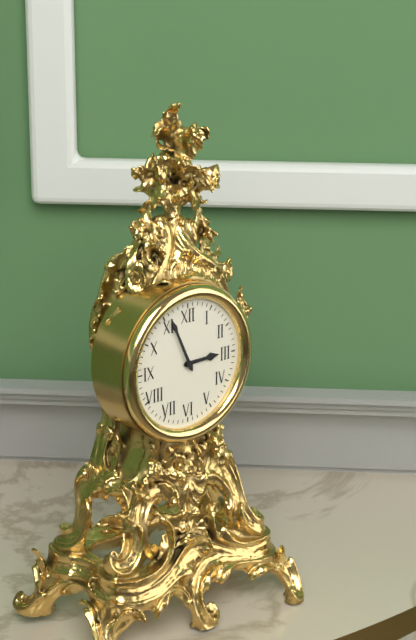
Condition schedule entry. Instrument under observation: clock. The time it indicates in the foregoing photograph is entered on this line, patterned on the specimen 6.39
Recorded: 2.56
